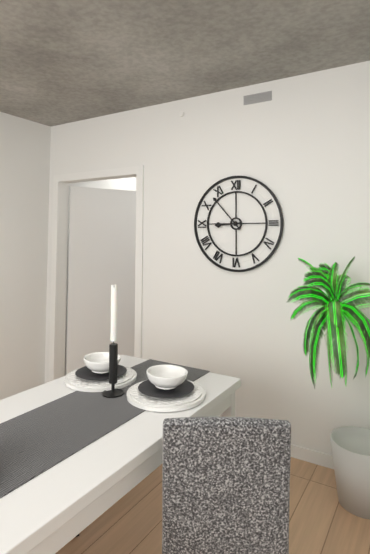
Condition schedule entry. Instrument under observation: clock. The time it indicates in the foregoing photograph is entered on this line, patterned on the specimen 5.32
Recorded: 8.53
